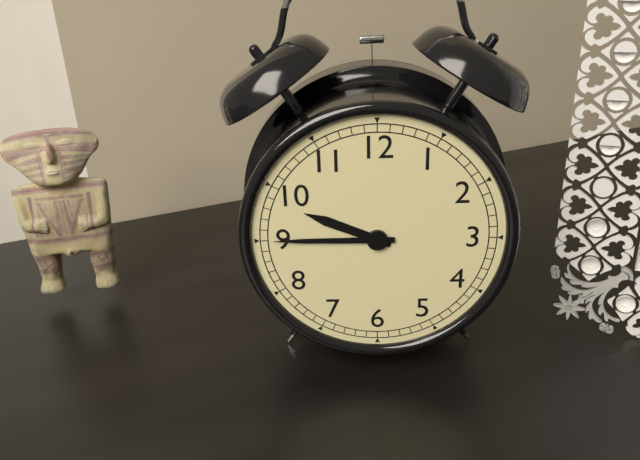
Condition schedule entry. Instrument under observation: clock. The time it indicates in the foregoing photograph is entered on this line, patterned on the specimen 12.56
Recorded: 9.45
